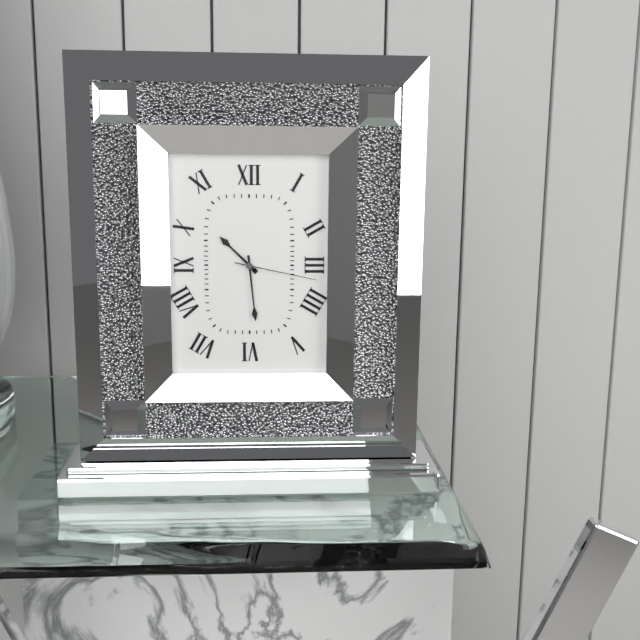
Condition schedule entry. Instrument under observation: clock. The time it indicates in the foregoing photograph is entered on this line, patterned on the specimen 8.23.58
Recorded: 10.29.17
